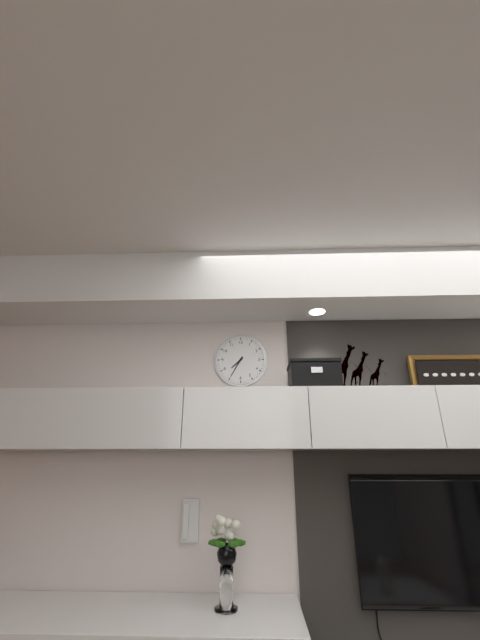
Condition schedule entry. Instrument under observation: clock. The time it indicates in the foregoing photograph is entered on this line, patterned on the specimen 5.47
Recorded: 7.35
